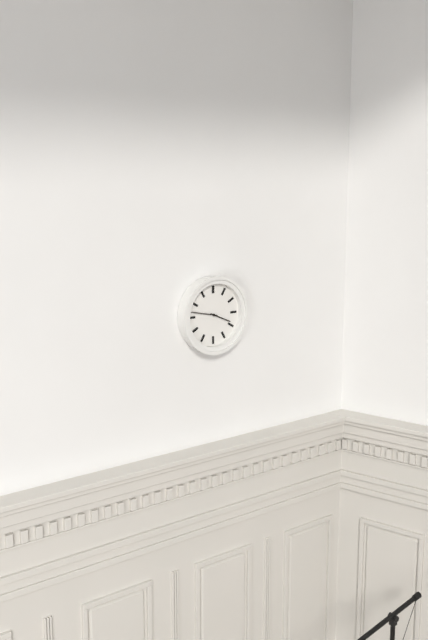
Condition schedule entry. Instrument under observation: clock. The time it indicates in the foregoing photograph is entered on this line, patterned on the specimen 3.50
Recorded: 3.47
